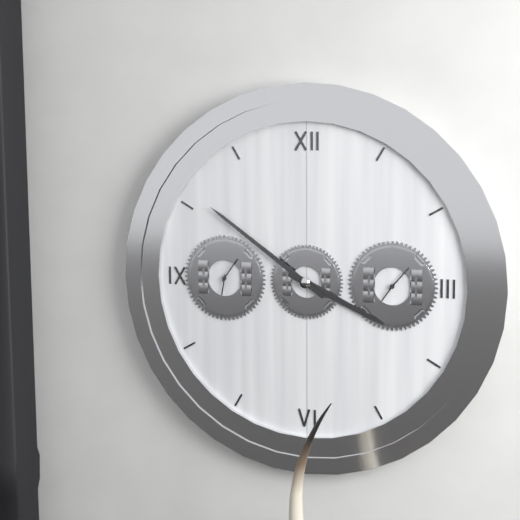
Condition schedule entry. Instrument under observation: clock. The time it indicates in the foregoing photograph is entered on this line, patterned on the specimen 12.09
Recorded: 3.51
